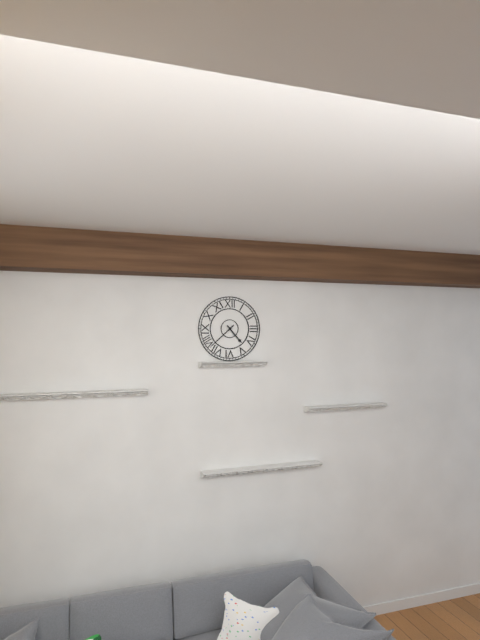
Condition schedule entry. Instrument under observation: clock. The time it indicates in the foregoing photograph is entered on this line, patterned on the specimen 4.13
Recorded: 4.38
